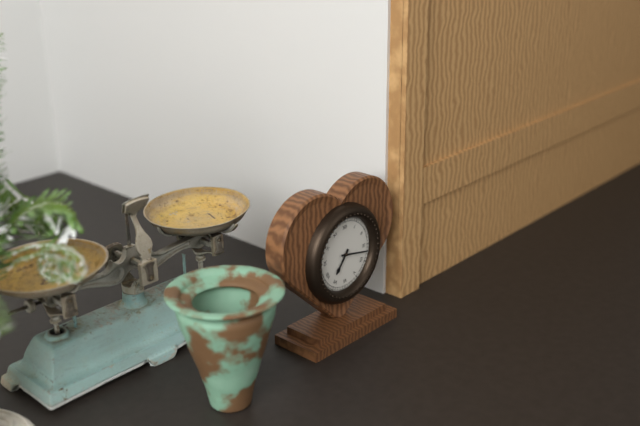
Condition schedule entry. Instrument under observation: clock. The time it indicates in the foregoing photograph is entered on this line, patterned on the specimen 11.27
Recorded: 7.17
